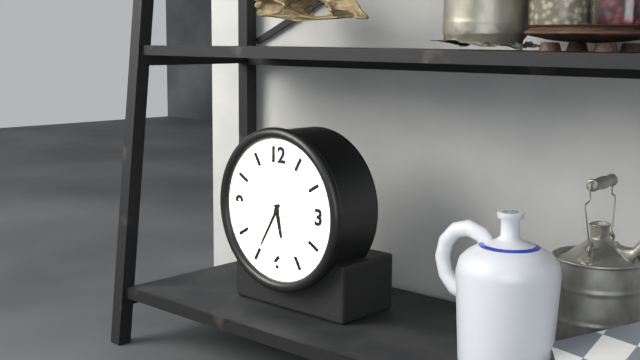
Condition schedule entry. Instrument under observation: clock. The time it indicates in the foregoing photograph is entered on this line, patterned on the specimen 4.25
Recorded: 5.35
